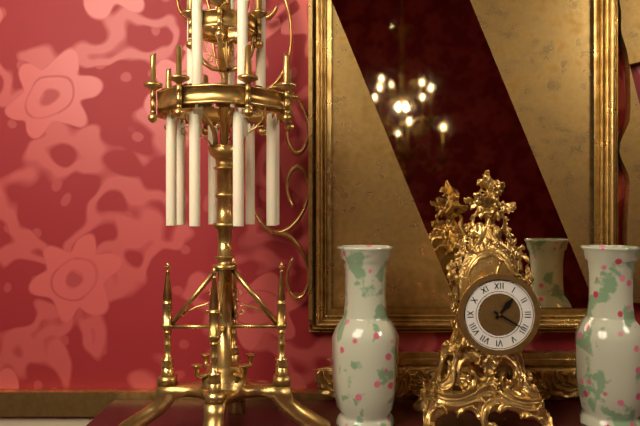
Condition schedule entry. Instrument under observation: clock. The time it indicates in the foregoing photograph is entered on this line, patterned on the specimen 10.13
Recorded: 1.20
